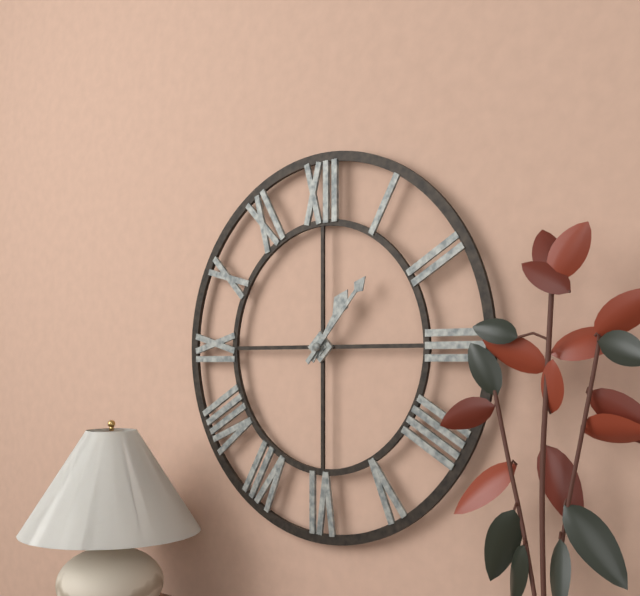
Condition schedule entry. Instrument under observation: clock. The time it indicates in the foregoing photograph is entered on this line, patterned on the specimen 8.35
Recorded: 1.07
